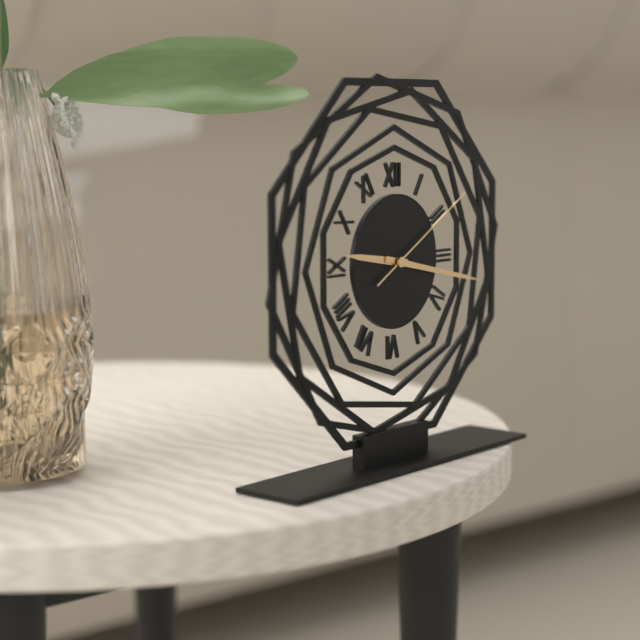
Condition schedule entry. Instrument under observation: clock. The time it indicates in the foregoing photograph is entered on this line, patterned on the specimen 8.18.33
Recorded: 9.17.10
